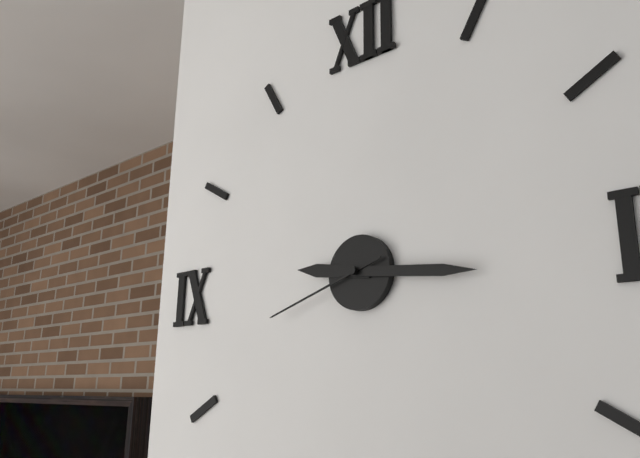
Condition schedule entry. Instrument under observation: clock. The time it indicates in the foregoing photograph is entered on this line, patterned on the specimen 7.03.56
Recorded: 9.16.42
